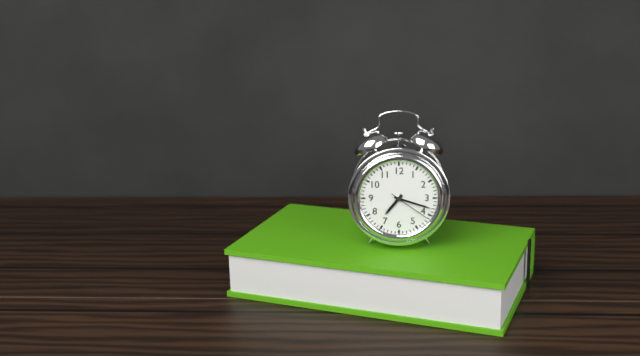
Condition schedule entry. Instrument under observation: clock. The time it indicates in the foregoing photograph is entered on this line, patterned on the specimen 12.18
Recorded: 7.18
